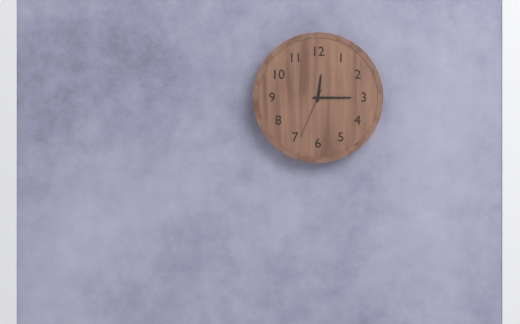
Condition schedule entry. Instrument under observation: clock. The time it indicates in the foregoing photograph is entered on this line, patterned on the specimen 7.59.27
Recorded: 12.15.34
